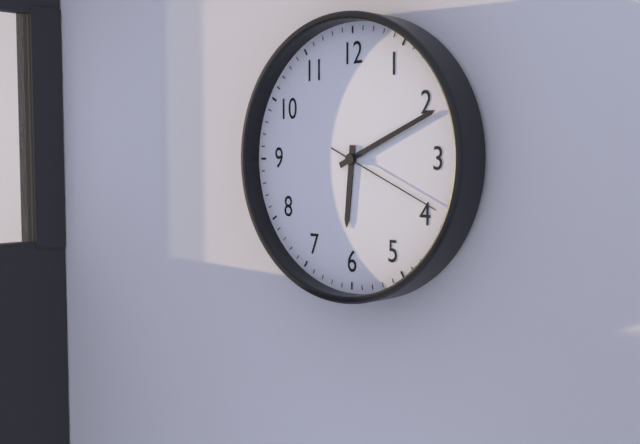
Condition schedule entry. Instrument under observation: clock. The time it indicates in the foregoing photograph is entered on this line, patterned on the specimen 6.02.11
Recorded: 6.11.19
